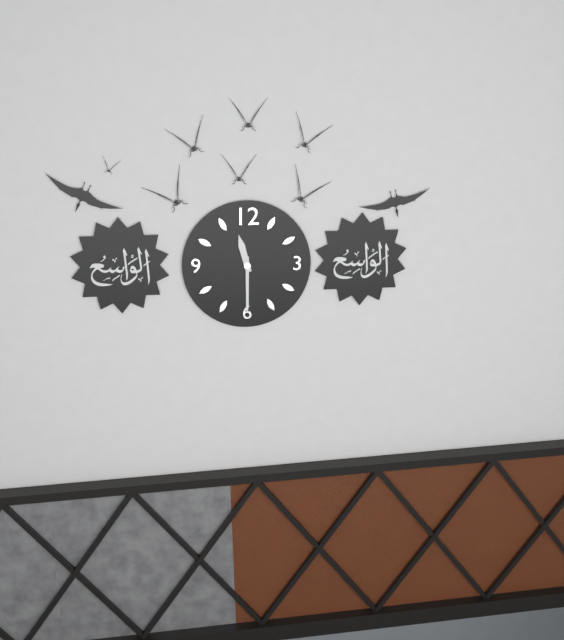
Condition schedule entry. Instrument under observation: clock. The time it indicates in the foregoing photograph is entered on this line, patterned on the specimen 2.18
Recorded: 11.30
